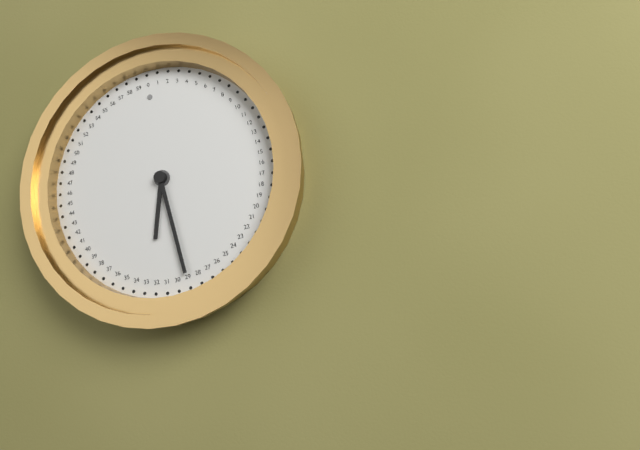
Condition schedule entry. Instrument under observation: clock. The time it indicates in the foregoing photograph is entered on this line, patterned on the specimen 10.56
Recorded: 6.29
